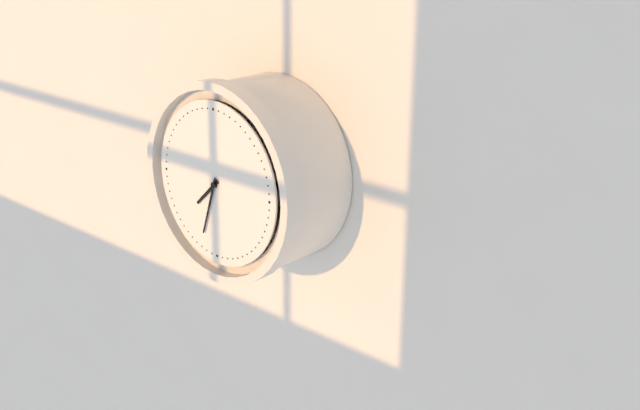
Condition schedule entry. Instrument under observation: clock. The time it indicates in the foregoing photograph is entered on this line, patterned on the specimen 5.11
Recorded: 7.33
